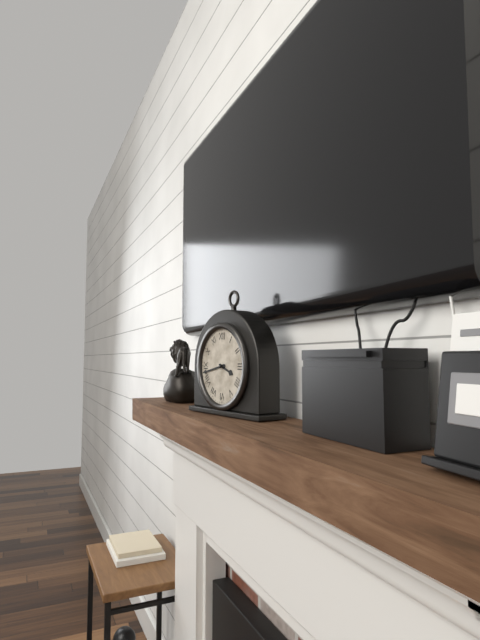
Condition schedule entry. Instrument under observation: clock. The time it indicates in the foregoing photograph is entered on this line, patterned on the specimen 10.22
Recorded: 3.43
